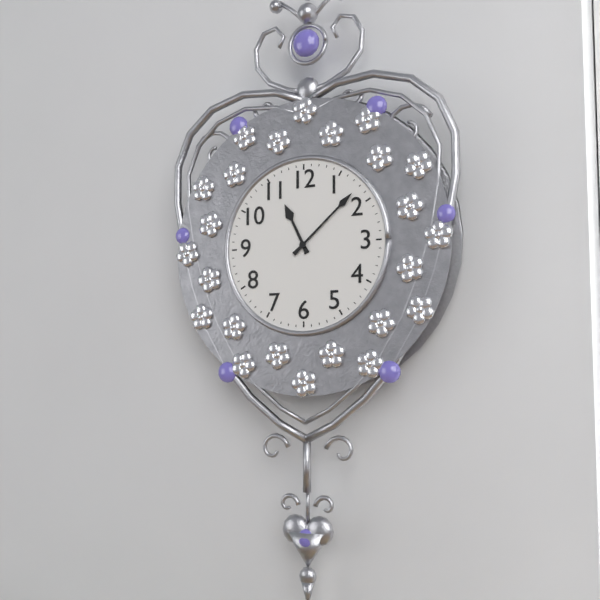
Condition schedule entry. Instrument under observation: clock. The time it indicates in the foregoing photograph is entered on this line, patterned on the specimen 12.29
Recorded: 11.08
